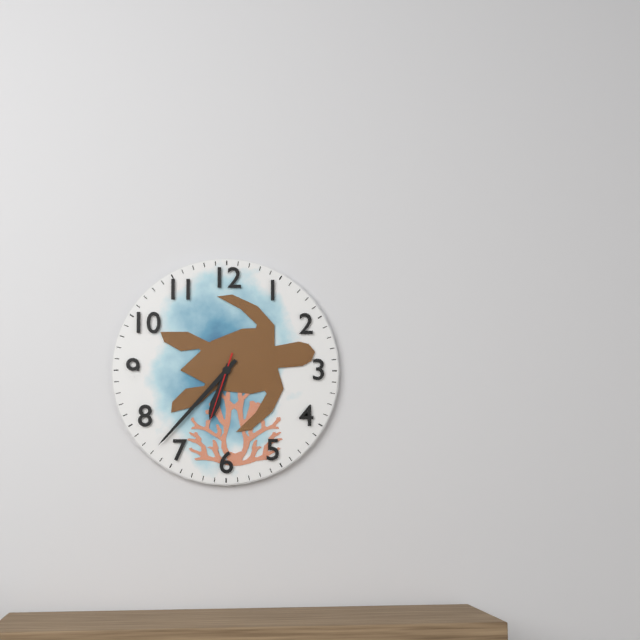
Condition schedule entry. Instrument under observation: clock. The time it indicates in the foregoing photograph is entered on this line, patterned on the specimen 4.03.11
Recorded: 6.37.33
